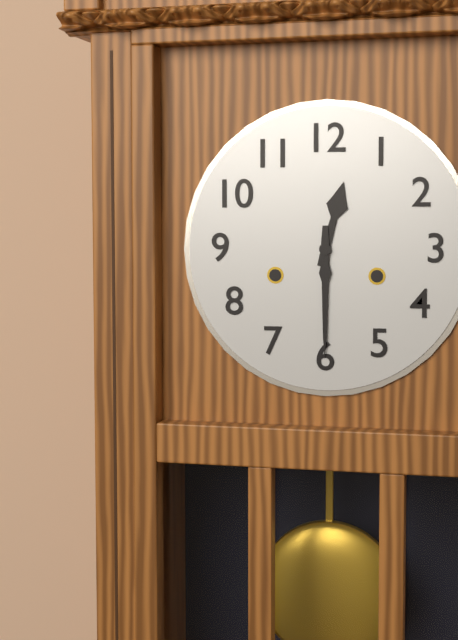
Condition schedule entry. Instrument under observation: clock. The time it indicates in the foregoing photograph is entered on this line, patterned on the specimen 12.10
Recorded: 12.30
